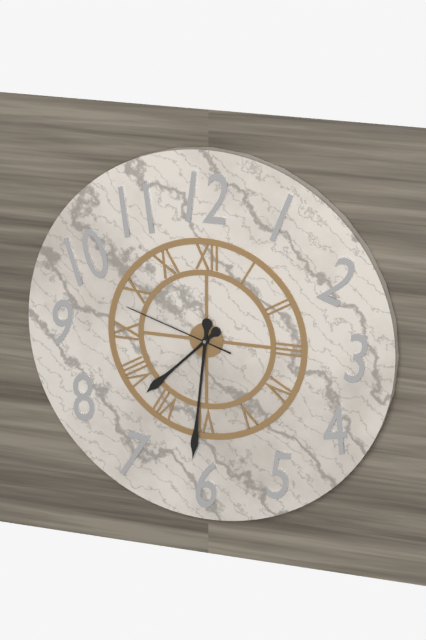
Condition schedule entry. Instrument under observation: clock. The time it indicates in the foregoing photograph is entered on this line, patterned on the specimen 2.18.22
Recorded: 7.31.48
